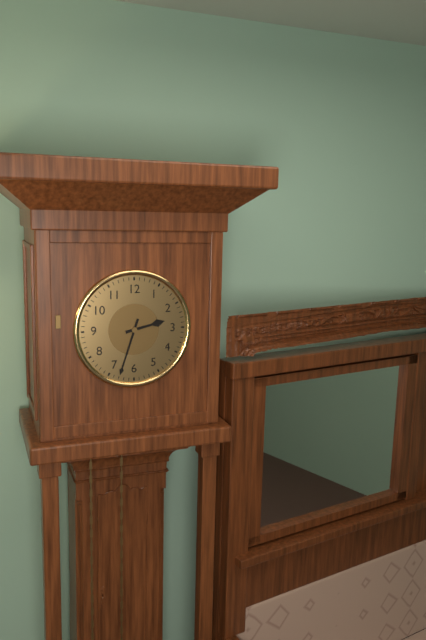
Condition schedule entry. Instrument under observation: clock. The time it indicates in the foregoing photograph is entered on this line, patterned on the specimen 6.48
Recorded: 2.33
